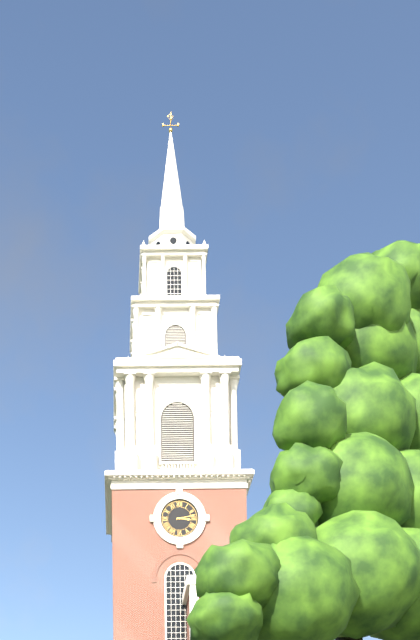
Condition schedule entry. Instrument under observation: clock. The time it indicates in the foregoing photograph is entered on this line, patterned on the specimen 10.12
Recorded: 3.13
